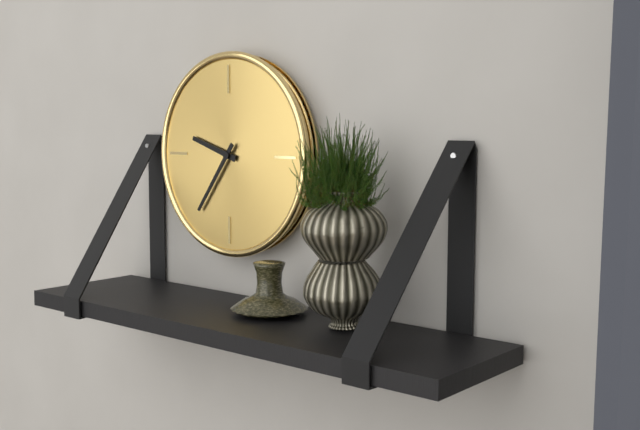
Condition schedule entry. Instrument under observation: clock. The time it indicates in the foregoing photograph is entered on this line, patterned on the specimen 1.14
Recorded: 9.36
